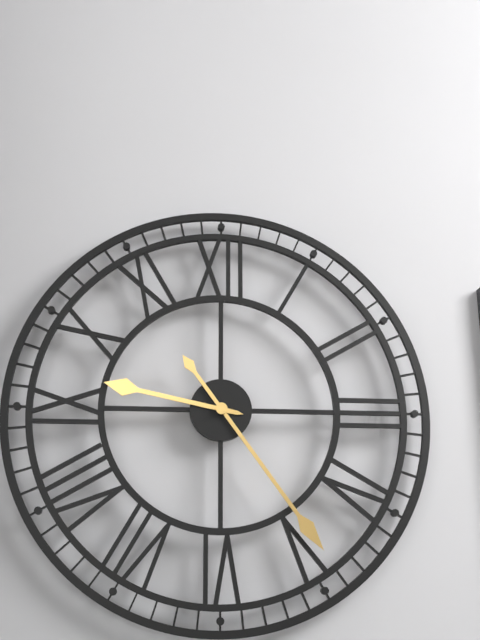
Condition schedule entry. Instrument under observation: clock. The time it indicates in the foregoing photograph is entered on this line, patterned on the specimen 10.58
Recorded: 9.24
